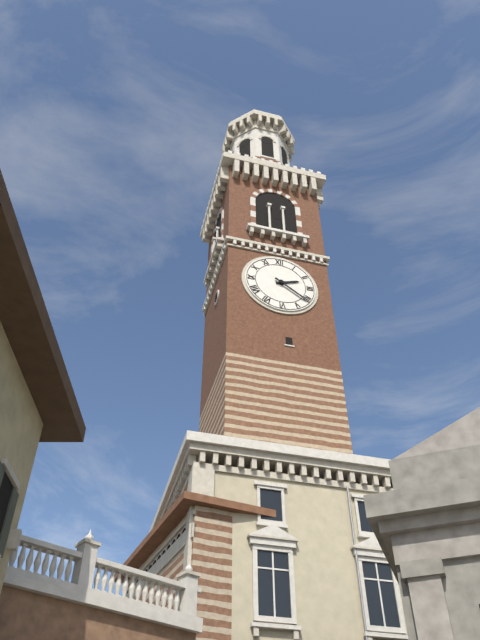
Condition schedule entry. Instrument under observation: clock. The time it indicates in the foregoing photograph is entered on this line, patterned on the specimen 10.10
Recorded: 2.21
